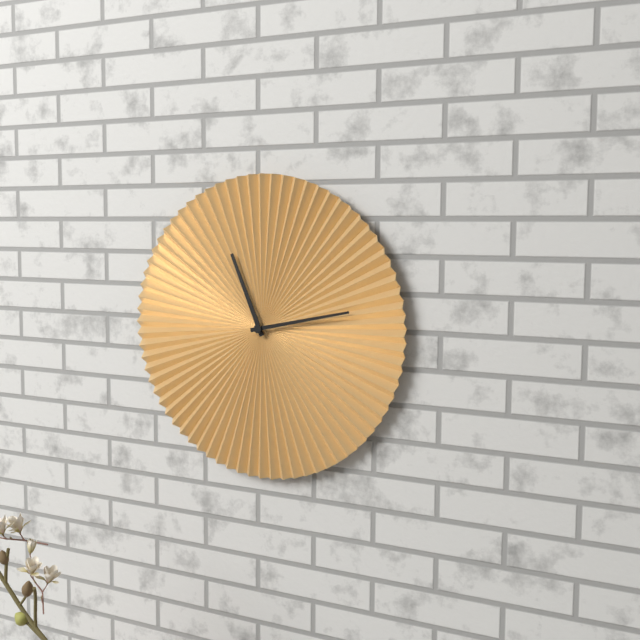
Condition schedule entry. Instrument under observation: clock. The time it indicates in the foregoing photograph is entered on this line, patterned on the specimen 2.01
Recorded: 11.13
